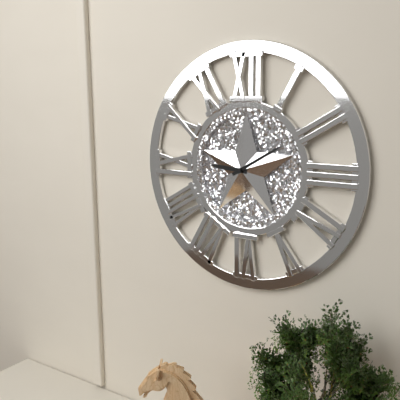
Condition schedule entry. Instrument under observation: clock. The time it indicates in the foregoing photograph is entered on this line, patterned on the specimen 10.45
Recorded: 9.10
